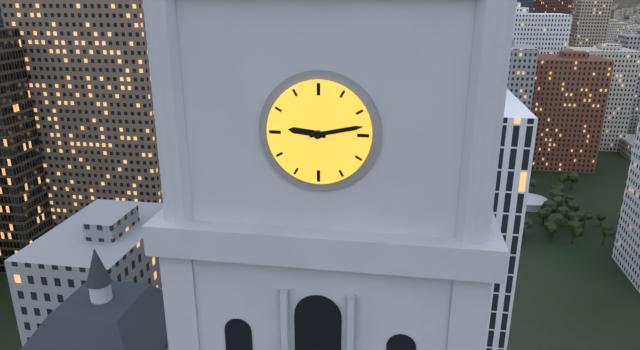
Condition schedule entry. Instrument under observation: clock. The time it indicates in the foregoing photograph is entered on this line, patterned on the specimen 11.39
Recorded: 9.13
